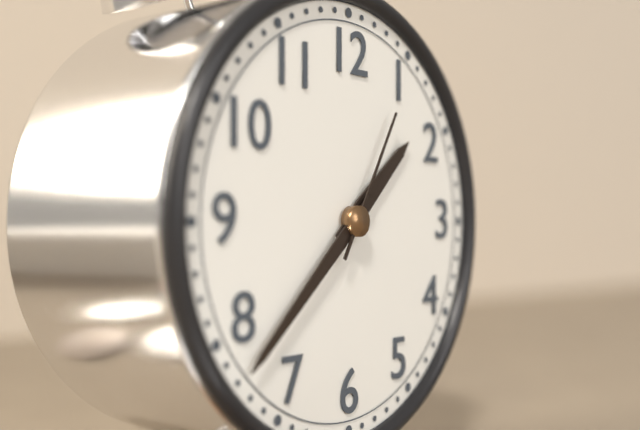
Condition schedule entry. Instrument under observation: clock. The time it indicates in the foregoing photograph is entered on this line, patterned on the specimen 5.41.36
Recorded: 1.38.05
